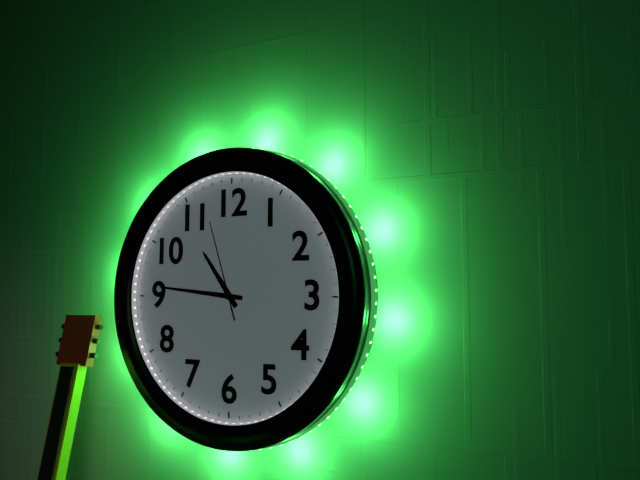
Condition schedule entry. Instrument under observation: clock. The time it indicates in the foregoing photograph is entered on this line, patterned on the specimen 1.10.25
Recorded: 10.46.57
